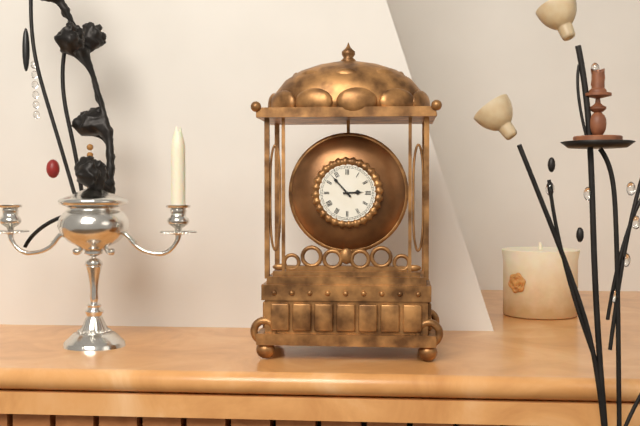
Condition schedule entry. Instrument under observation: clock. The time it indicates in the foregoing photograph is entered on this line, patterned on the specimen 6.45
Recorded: 2.53
